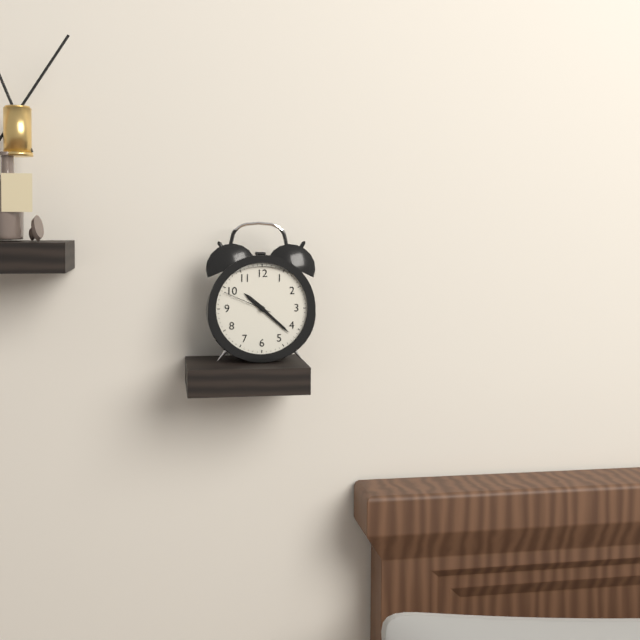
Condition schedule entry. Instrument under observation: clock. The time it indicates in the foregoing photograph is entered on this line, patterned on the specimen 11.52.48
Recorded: 10.22.49
